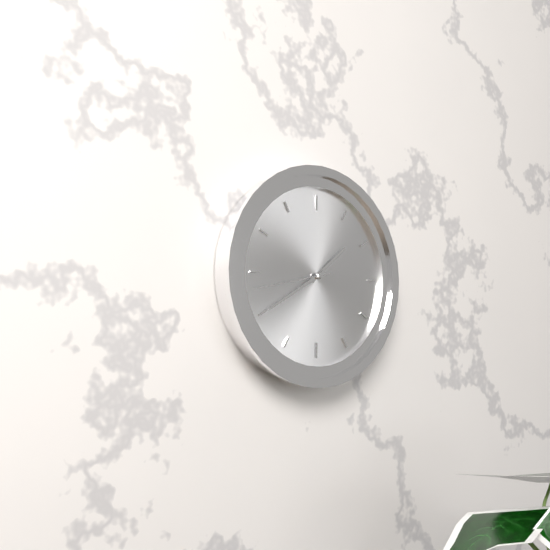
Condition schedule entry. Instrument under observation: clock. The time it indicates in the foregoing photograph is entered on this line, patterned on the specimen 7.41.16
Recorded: 1.40.43
